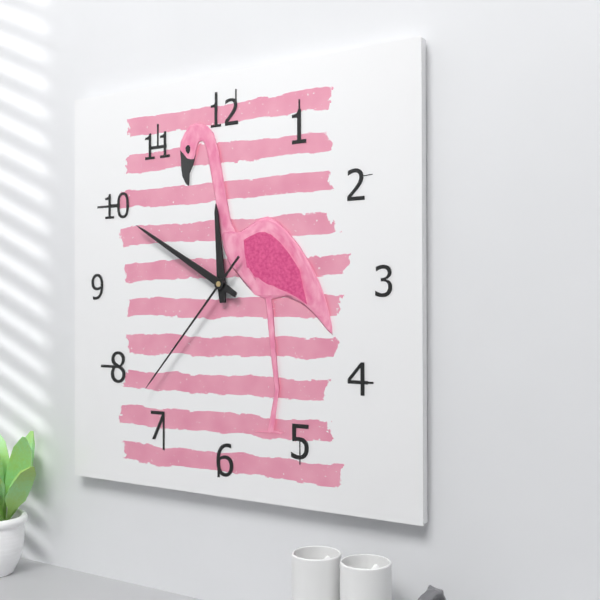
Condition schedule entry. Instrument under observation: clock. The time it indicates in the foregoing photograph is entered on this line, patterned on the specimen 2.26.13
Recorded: 11.50.37
